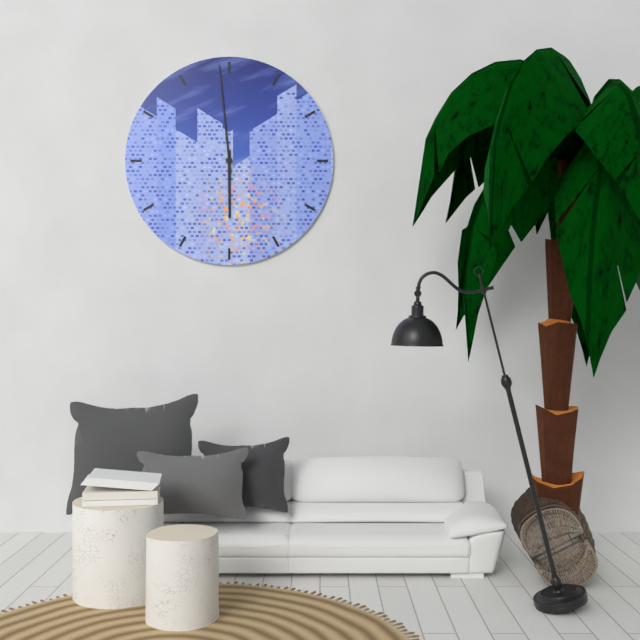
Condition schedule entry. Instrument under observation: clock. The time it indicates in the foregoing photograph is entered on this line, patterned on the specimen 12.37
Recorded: 5.59
